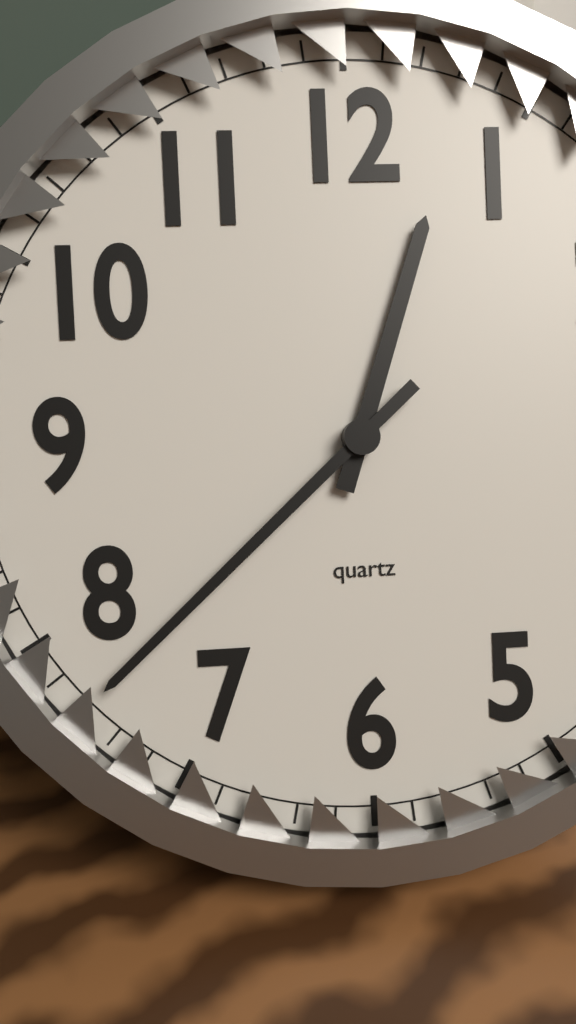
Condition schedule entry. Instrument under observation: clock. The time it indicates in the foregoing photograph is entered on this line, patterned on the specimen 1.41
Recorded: 12.38
